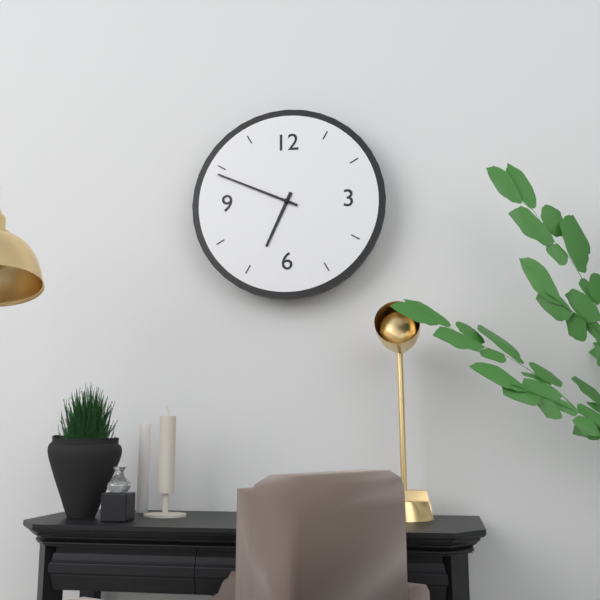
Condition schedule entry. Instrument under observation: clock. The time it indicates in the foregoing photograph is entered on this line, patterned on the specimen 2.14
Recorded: 6.49
